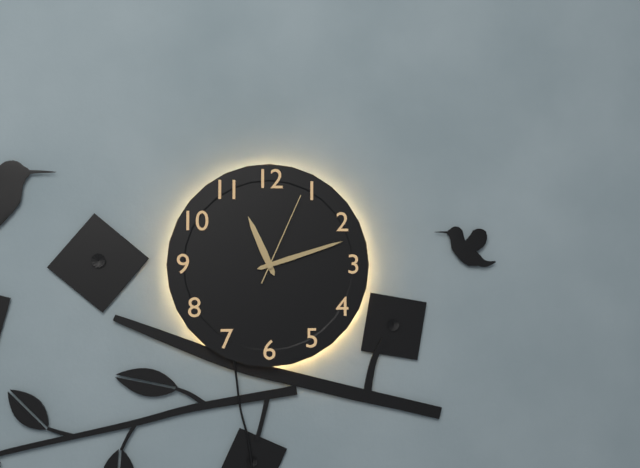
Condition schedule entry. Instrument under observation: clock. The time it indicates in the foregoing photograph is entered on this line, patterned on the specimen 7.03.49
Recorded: 11.12.04
